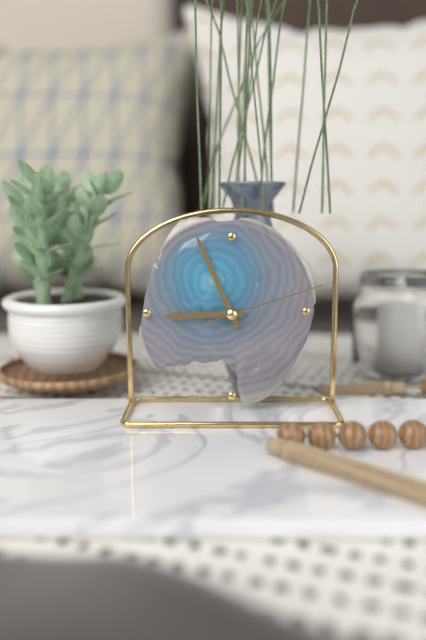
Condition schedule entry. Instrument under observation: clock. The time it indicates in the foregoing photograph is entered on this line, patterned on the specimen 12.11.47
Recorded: 8.56.12
